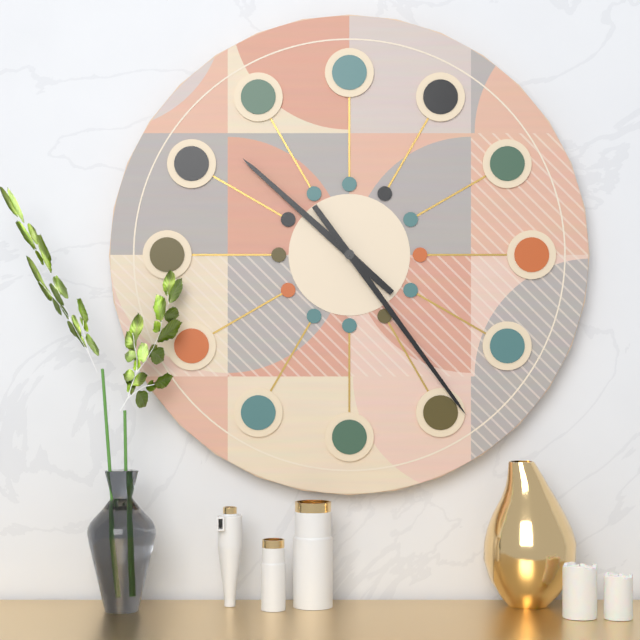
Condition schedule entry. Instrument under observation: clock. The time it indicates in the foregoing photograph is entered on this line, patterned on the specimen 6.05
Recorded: 10.24
